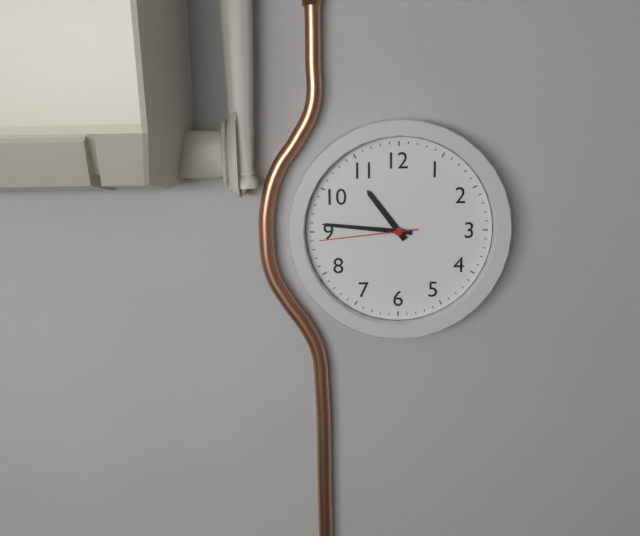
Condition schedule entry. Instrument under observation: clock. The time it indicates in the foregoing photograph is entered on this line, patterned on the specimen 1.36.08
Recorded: 10.46.44
